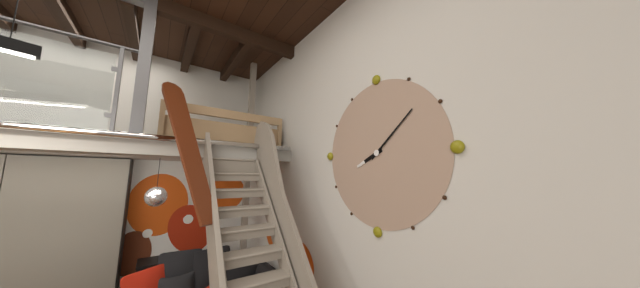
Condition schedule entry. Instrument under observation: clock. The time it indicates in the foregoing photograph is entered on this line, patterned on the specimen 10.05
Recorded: 8.08
